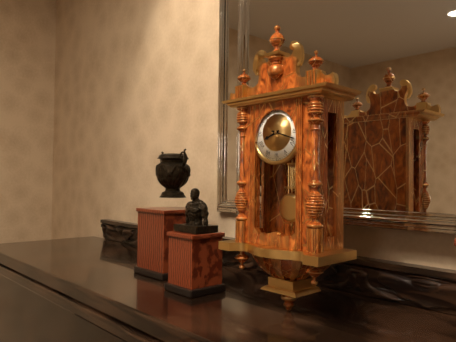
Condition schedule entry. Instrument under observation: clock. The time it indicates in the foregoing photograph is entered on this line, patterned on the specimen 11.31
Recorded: 8.18
